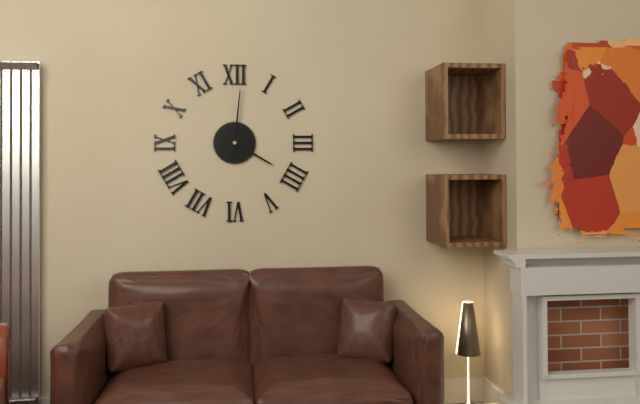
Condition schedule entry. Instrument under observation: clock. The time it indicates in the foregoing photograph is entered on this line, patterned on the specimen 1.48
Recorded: 4.01
